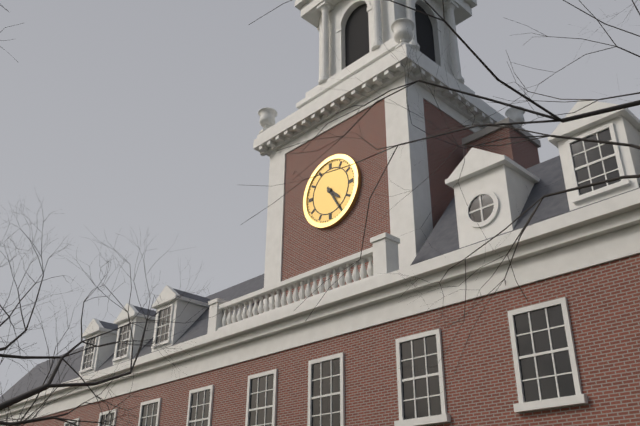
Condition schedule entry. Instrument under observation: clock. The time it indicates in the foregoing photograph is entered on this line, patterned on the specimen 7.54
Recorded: 4.25
